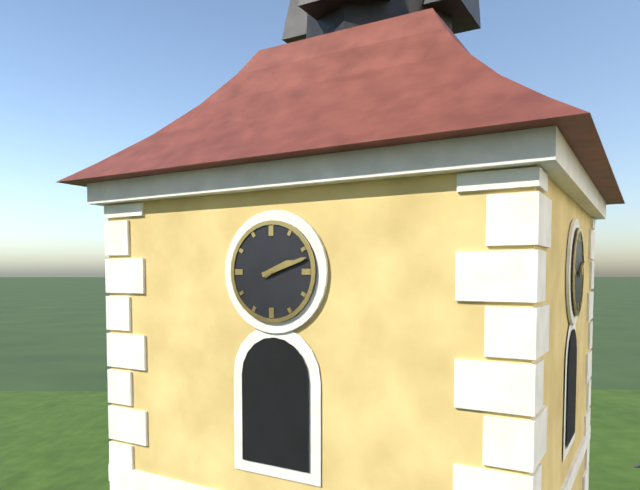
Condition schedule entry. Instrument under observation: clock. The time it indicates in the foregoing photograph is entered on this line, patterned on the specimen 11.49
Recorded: 2.12
